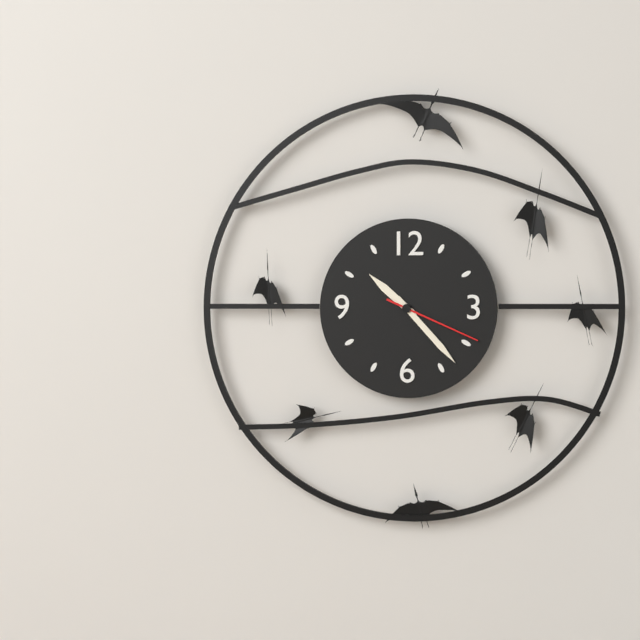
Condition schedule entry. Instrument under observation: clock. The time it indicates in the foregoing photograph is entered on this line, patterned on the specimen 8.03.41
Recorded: 10.23.19
